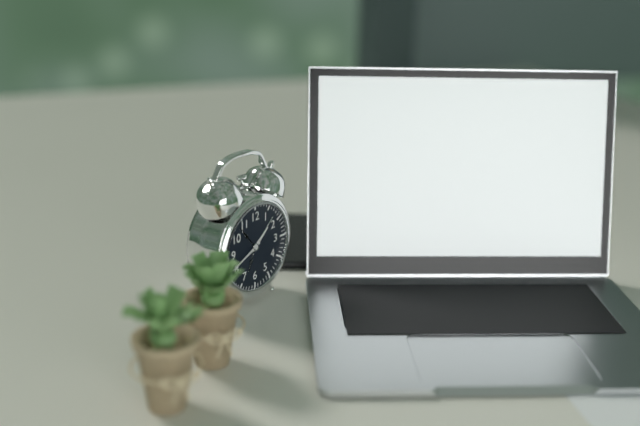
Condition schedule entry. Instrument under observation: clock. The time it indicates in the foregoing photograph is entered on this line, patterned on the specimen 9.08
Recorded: 1.41
